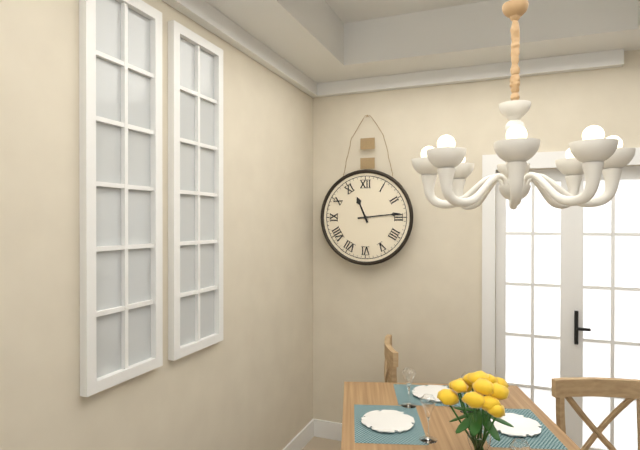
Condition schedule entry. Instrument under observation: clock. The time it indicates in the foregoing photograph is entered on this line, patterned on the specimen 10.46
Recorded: 11.14
